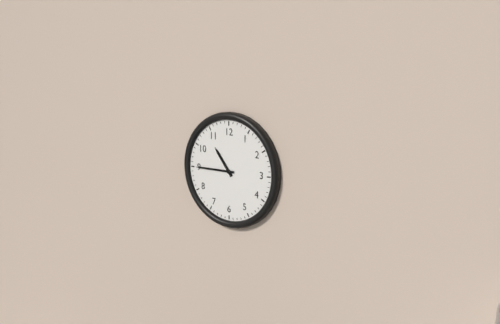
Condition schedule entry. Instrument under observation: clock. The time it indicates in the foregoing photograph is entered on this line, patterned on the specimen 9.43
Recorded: 10.45
